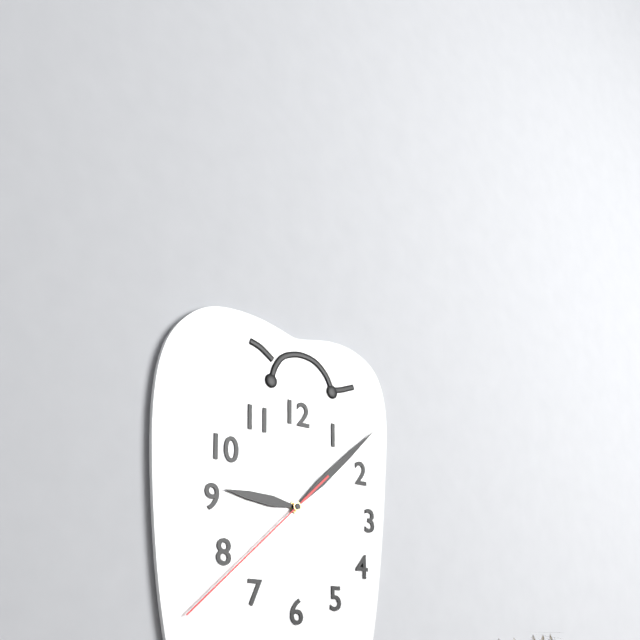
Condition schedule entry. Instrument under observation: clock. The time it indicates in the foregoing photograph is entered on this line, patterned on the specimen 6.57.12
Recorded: 9.08.38
